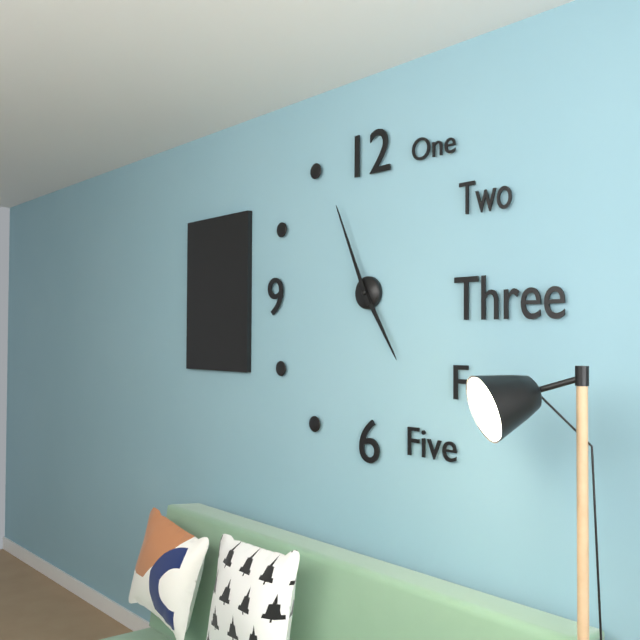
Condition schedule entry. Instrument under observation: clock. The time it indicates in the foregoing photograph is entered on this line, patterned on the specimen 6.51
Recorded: 4.56
